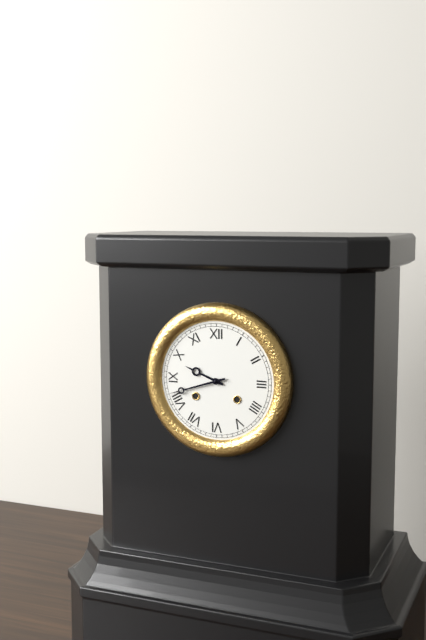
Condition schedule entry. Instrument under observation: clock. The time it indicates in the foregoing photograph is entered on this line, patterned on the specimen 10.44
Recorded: 9.42
